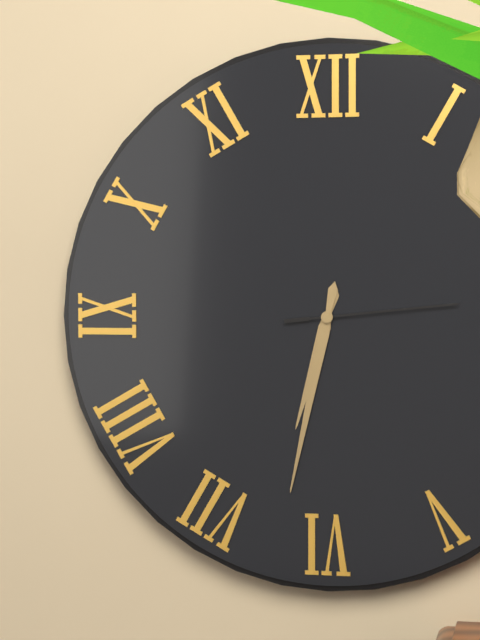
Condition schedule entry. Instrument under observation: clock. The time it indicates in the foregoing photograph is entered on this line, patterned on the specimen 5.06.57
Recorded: 6.32.14
